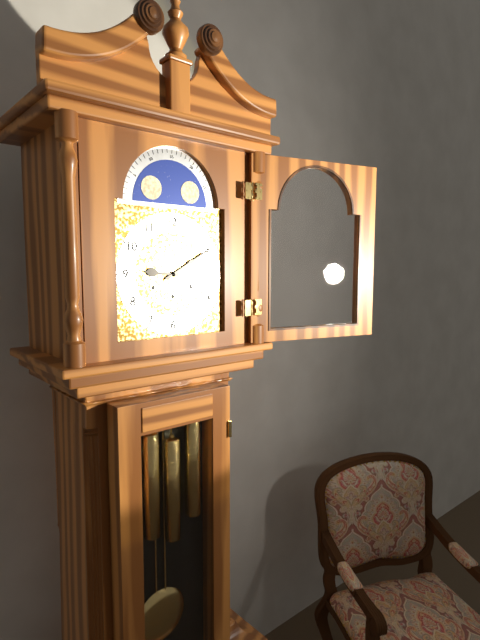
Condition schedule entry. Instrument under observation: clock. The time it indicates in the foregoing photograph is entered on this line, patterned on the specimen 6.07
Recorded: 9.10
